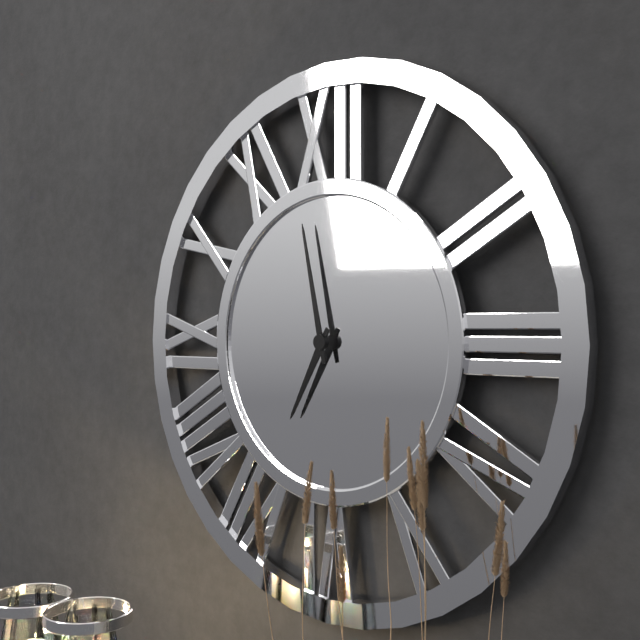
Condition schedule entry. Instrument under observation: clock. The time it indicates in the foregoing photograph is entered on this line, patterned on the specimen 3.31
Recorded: 6.58
